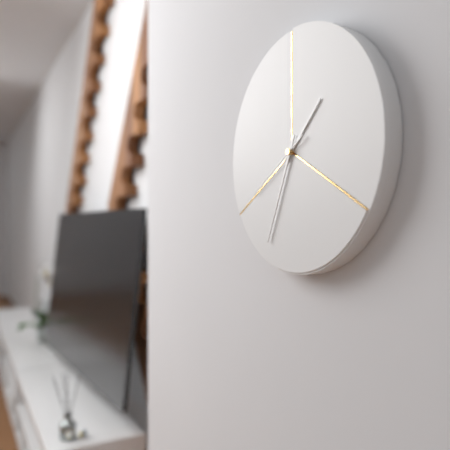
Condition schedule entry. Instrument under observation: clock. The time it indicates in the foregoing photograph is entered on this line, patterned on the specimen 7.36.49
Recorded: 1.34.40
